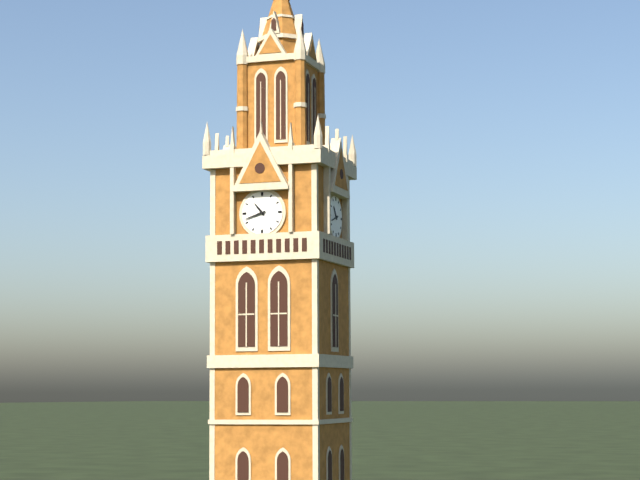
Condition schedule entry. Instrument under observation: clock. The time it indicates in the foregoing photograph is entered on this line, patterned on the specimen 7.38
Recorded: 10.42
